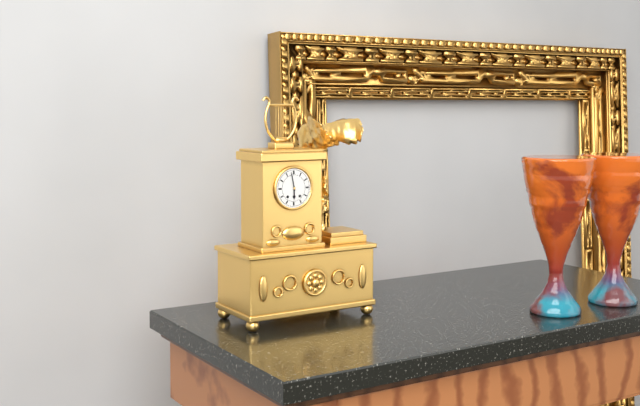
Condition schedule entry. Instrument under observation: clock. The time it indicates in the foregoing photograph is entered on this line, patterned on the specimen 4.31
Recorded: 5.58
